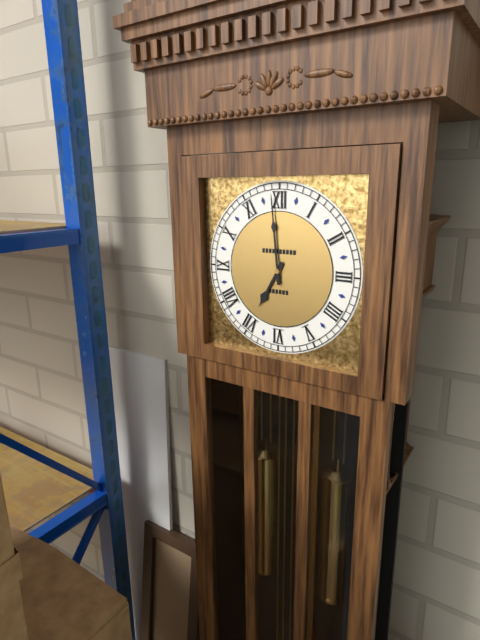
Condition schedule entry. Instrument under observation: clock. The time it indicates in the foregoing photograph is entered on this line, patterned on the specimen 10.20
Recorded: 6.59
